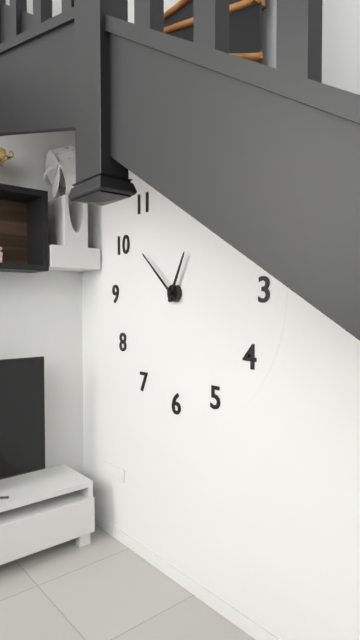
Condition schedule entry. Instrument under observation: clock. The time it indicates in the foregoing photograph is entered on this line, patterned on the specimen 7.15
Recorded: 12.52
